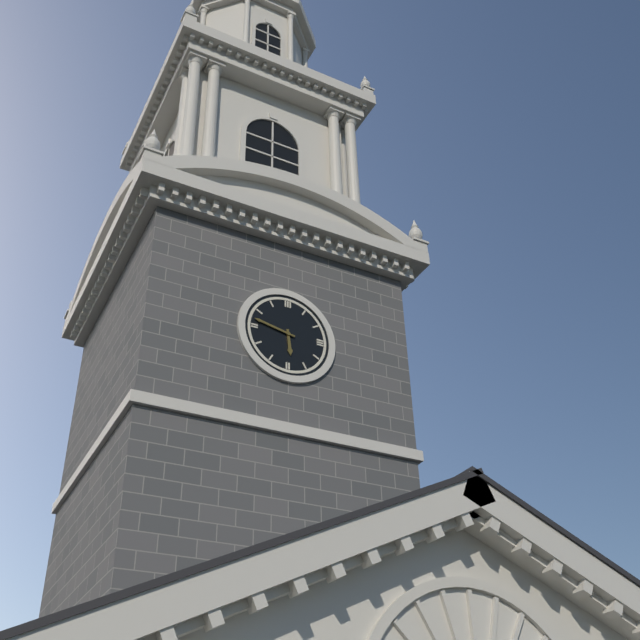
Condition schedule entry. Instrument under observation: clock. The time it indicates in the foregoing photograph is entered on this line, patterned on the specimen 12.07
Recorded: 5.47
